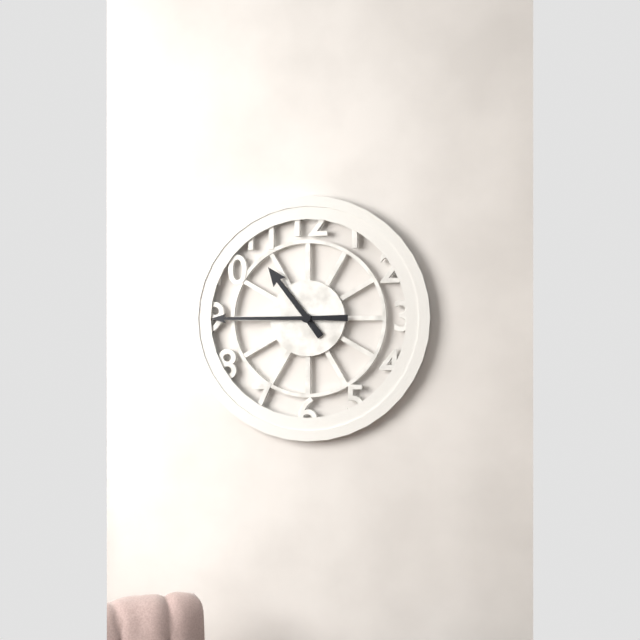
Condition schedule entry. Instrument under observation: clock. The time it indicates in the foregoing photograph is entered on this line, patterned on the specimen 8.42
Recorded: 10.45
